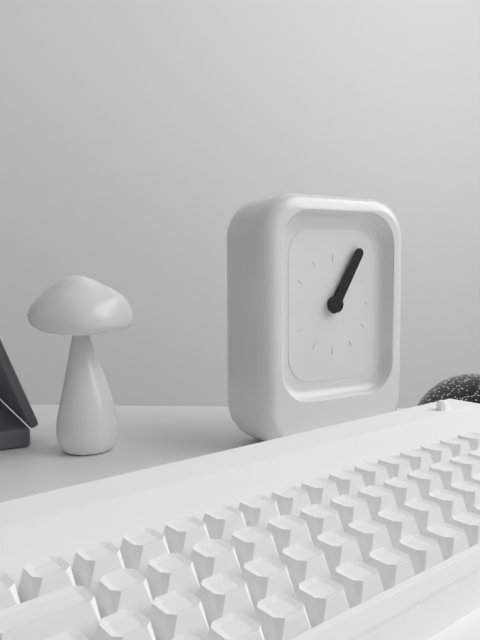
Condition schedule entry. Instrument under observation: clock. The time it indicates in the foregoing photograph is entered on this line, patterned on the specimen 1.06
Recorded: 1.05
